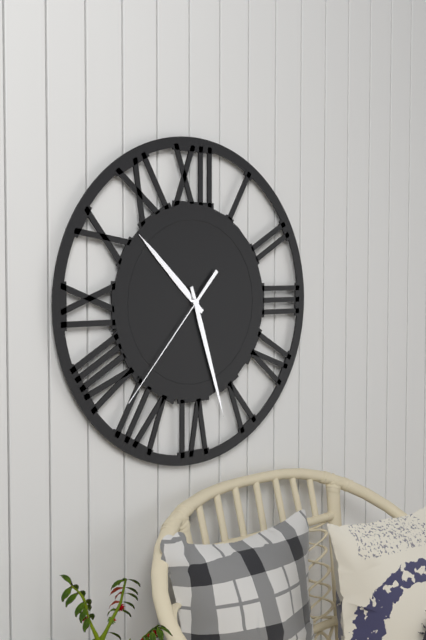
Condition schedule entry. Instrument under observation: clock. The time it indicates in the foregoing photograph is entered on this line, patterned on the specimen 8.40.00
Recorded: 10.27.37
